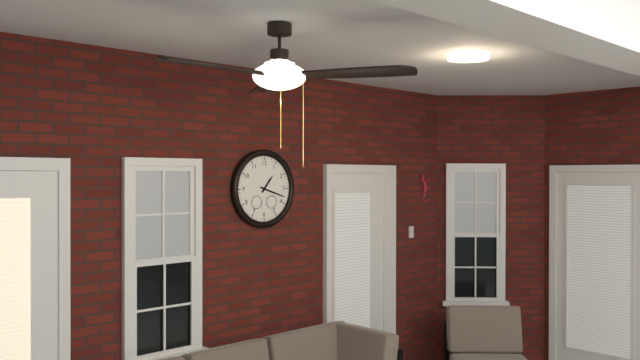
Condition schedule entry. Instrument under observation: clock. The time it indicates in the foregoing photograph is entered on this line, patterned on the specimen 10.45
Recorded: 1.18
